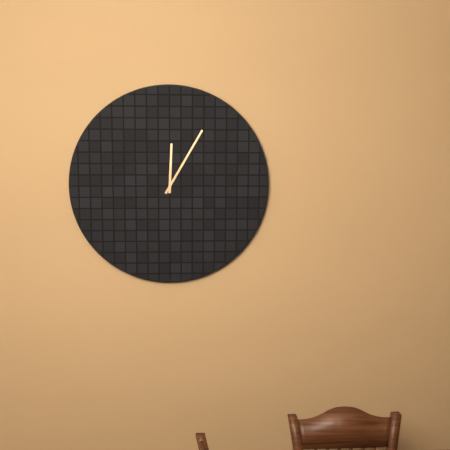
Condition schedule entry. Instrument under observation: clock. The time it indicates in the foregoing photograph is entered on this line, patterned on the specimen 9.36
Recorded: 12.05
